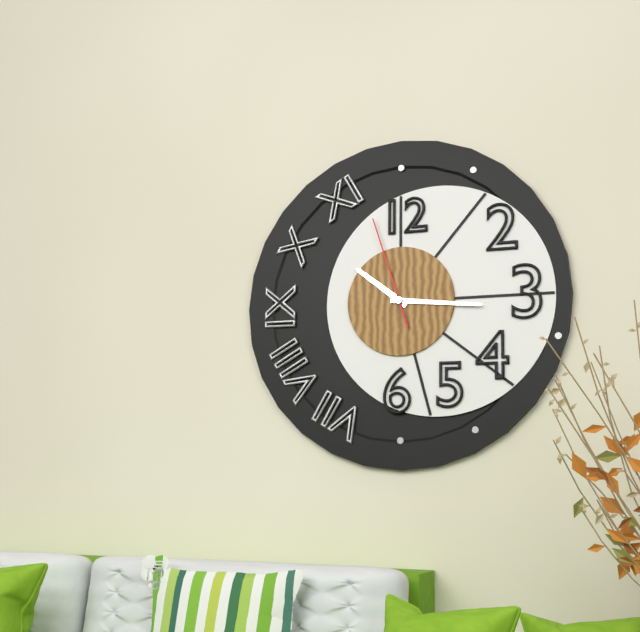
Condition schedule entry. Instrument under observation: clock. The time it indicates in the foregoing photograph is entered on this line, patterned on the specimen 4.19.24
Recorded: 10.16.57
